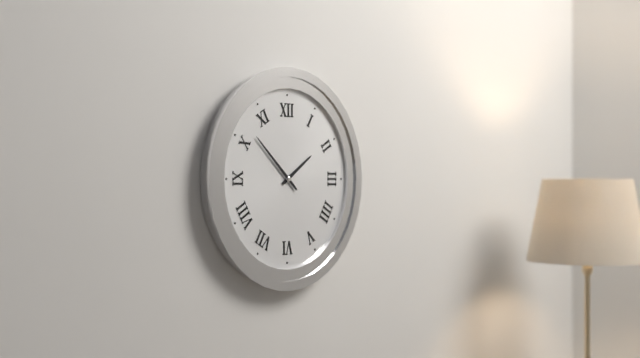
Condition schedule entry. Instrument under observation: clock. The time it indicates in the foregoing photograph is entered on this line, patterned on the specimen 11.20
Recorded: 1.52
